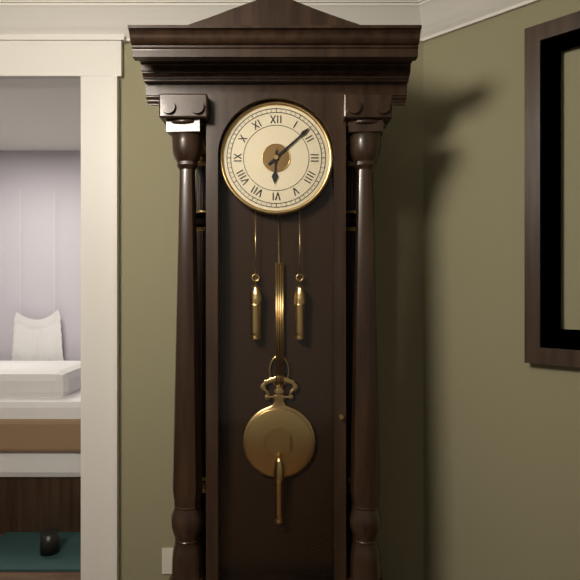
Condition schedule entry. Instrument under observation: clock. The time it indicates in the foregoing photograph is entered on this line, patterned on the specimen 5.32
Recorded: 6.08
